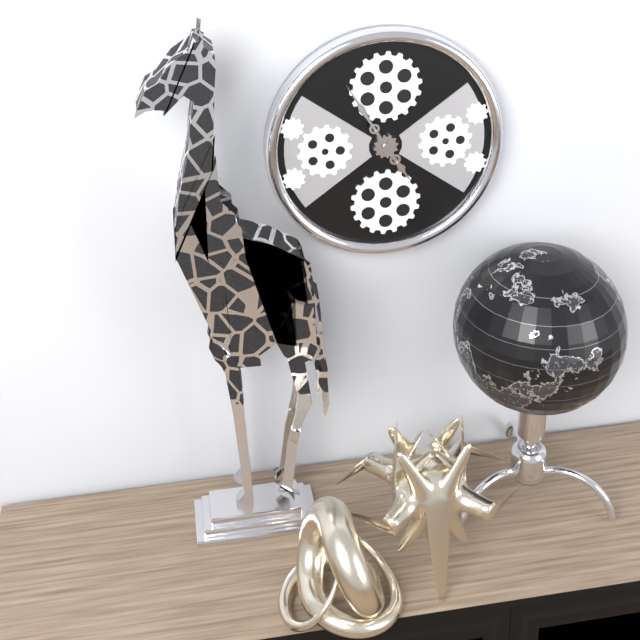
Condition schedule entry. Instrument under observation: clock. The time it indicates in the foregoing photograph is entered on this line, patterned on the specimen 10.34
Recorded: 4.55
